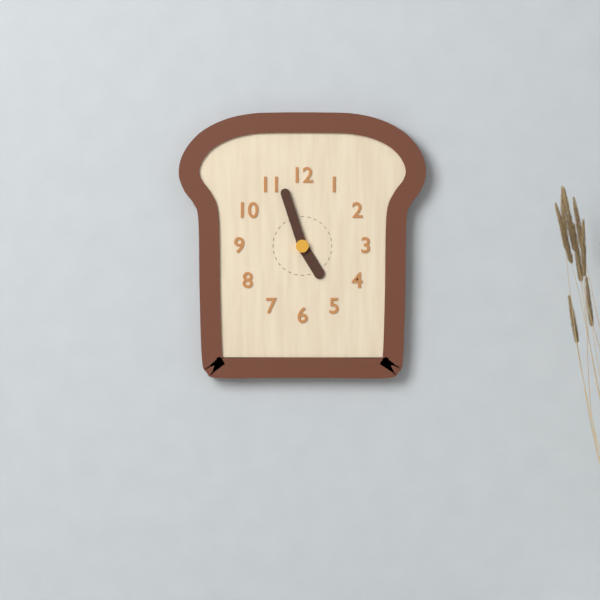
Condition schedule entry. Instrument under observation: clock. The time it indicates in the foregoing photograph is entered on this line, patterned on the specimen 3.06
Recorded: 4.57
